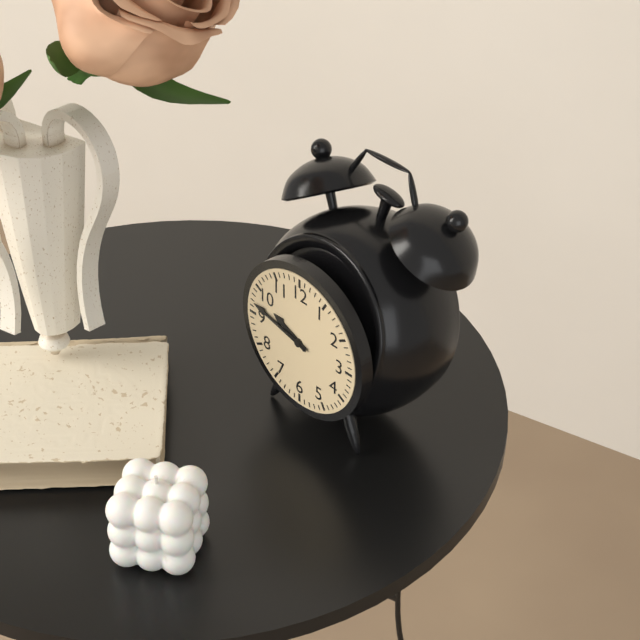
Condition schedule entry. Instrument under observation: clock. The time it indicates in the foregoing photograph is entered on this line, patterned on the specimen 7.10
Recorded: 9.47
